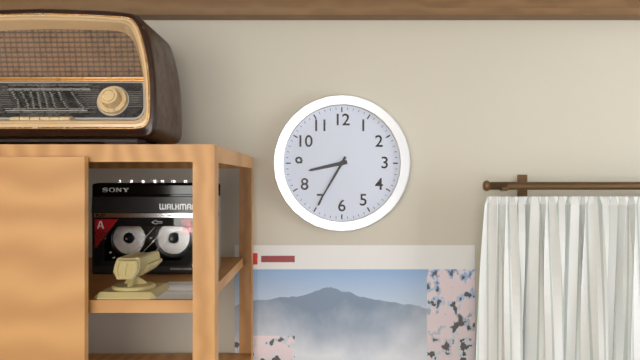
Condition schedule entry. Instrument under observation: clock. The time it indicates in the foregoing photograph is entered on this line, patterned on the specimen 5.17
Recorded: 8.35
